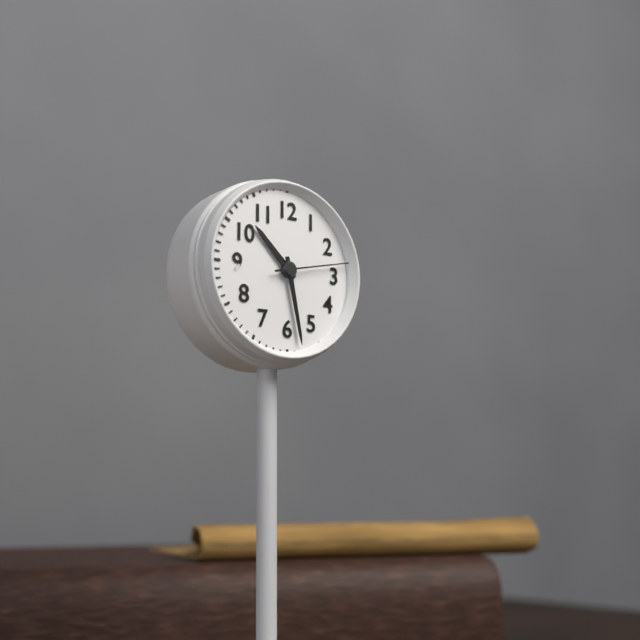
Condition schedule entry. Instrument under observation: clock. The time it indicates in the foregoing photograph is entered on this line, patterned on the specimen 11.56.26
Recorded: 10.28.13
